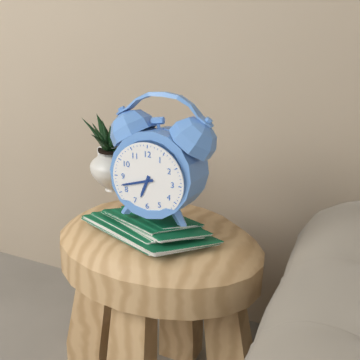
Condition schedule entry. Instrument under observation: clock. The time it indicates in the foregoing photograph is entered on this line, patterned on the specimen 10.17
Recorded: 6.42
